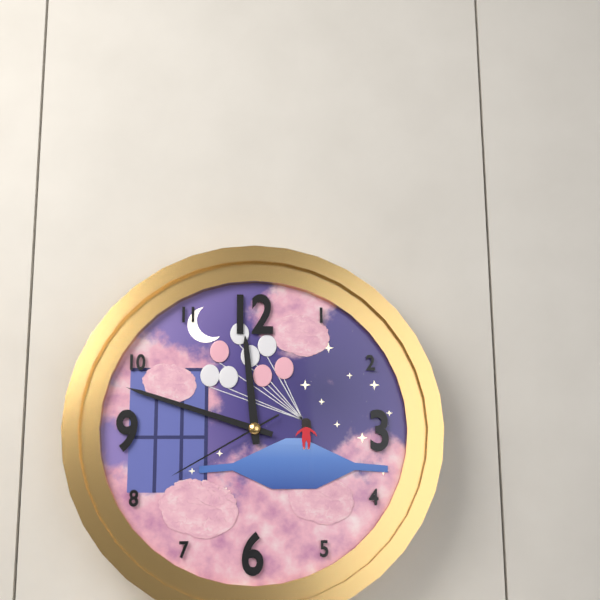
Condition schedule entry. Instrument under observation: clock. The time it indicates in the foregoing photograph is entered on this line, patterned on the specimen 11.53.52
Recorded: 11.48.40
